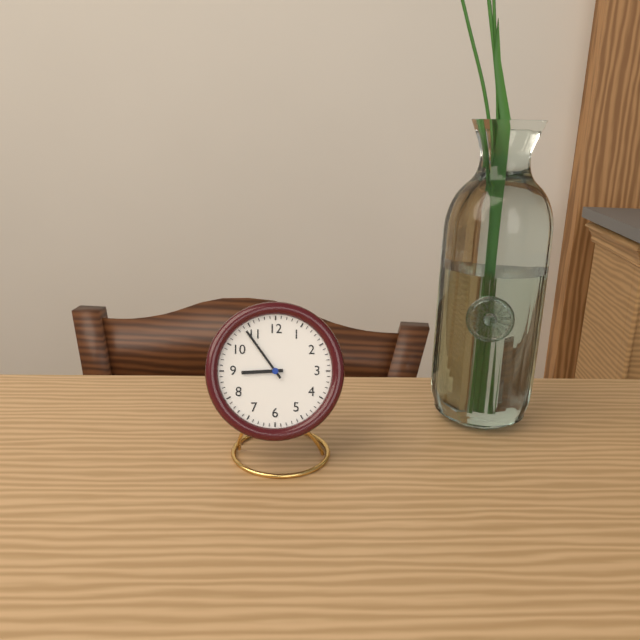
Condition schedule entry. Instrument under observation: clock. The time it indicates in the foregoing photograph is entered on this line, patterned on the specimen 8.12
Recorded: 8.54
